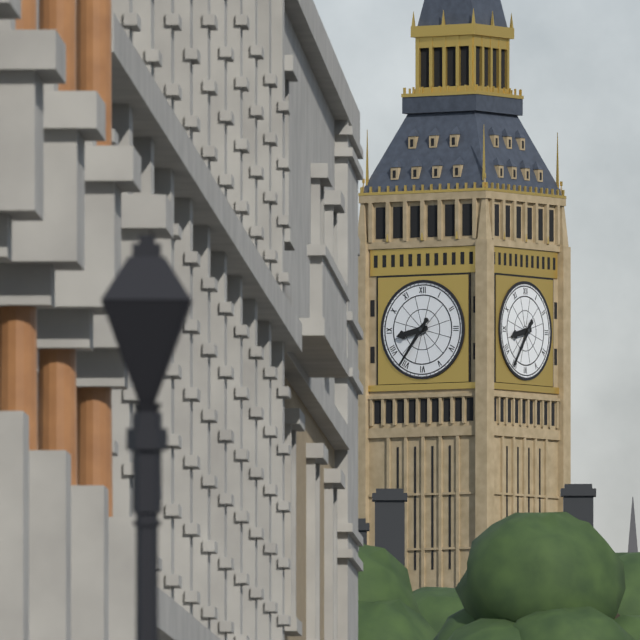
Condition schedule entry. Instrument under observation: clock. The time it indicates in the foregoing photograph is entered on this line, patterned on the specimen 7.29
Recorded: 8.36
